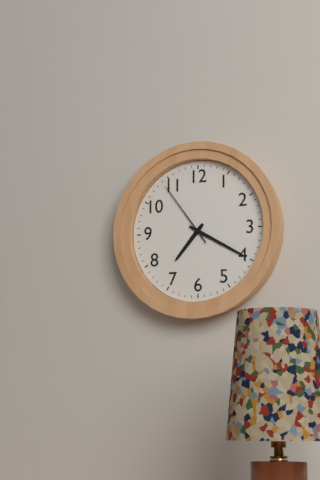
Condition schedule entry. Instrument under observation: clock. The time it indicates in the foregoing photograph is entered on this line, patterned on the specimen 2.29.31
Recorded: 7.20.54
